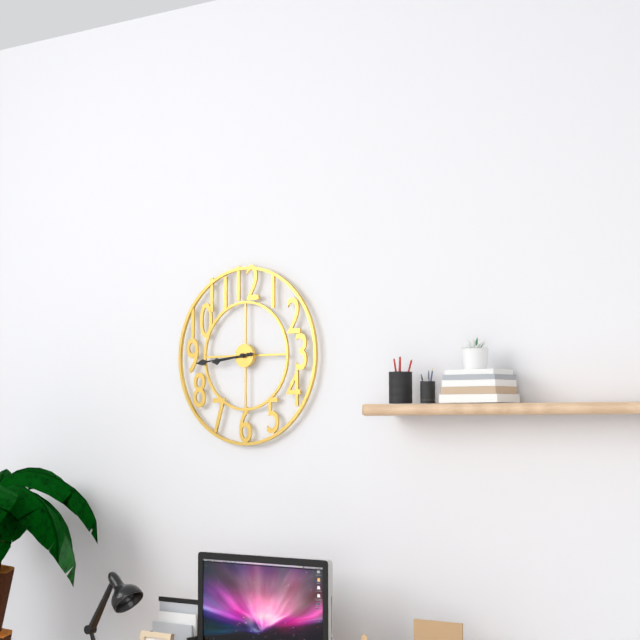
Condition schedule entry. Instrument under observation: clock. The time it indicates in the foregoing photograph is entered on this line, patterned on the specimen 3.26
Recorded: 8.44
